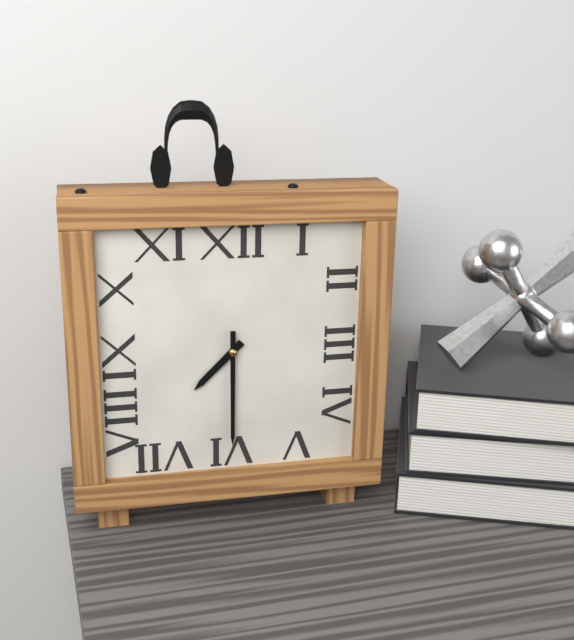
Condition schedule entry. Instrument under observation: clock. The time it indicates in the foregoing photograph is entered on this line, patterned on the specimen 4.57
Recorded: 7.30
